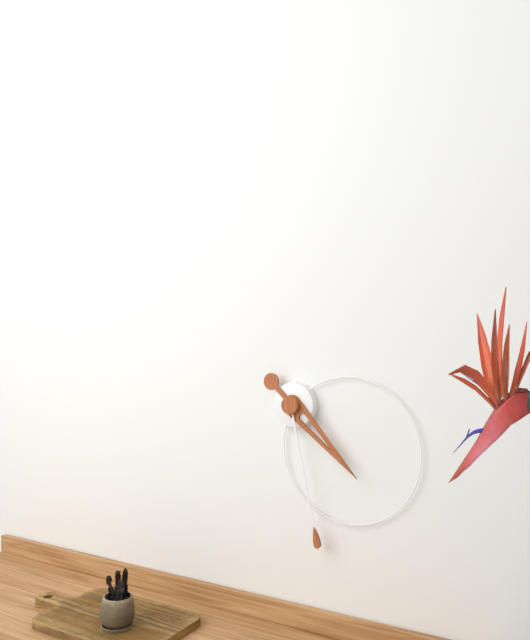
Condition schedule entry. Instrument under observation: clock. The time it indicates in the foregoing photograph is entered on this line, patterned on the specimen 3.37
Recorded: 4.28
